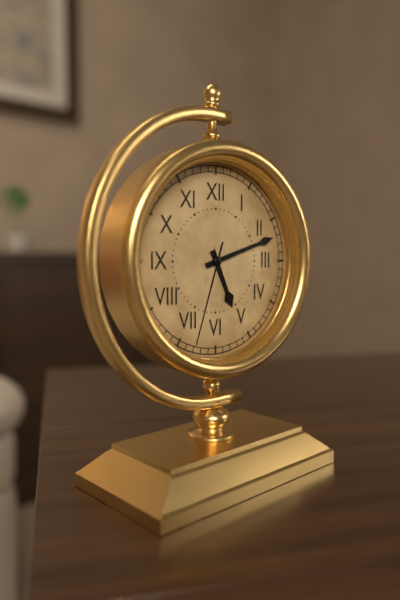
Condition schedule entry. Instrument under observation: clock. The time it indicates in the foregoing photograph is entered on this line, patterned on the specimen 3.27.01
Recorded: 5.12.33
